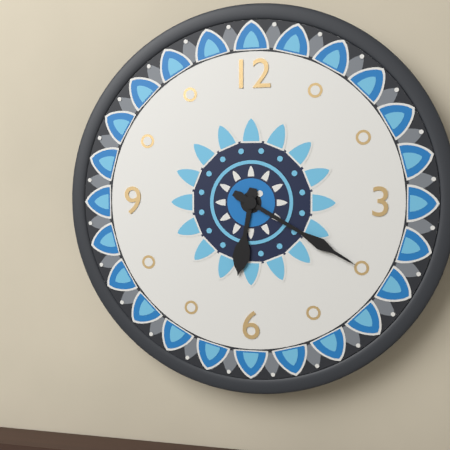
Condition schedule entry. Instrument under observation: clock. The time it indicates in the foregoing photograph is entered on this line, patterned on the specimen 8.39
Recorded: 6.20
